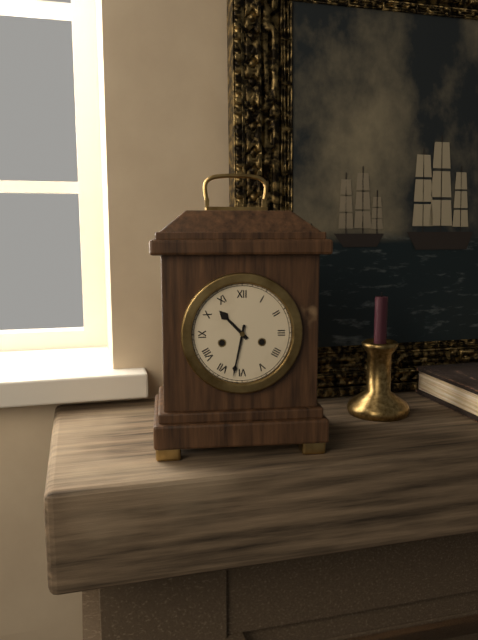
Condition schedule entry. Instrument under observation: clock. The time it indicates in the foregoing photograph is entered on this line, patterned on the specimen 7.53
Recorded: 10.32
